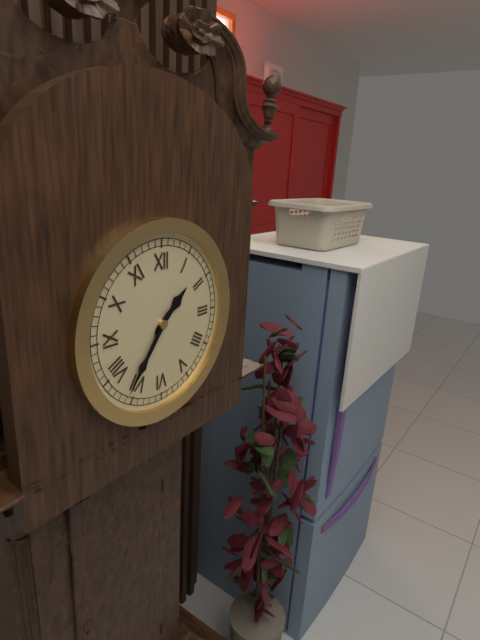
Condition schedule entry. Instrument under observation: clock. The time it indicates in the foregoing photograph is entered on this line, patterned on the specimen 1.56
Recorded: 1.36
